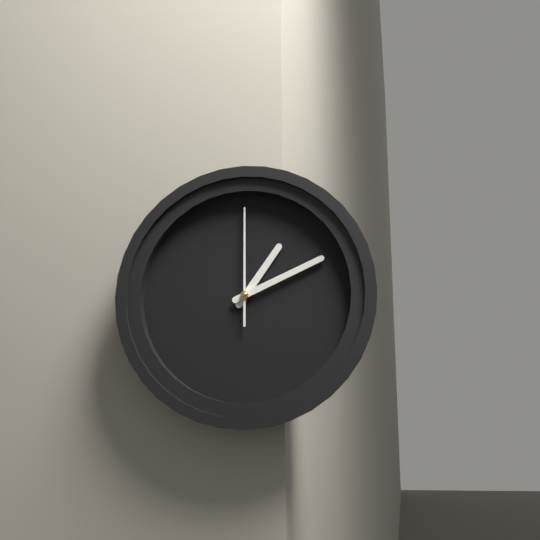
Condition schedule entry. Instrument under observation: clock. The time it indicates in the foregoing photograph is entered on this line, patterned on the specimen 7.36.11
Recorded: 1.11.00
